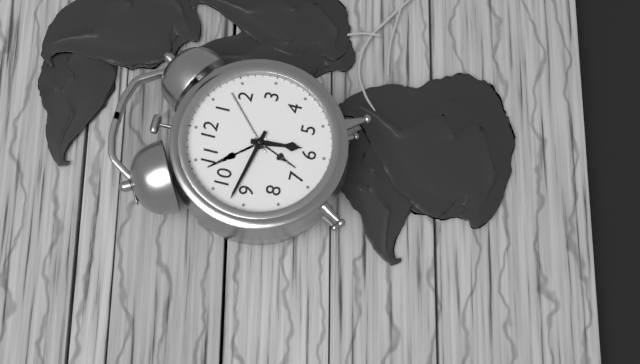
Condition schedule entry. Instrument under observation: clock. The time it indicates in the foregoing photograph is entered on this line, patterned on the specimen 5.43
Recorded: 5.47
